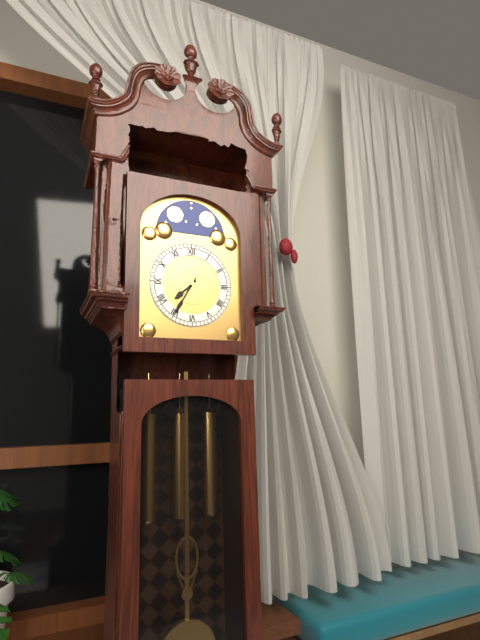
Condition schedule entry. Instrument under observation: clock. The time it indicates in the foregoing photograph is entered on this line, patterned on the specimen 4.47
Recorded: 7.35
